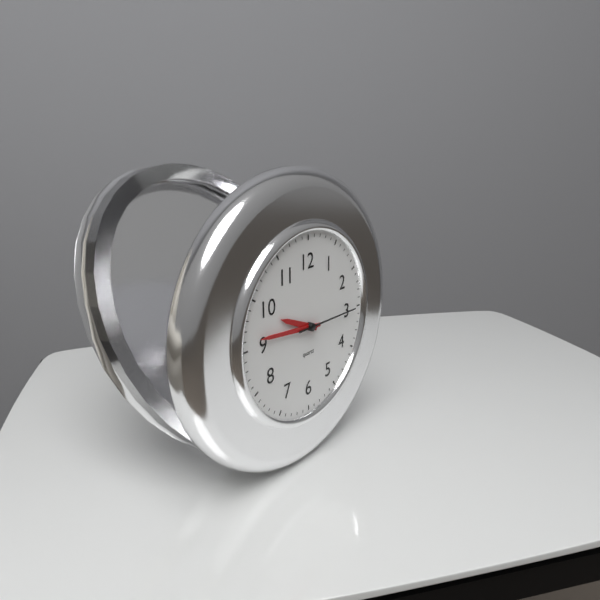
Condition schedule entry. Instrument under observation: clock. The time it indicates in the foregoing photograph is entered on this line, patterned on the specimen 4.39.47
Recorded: 9.46.15
